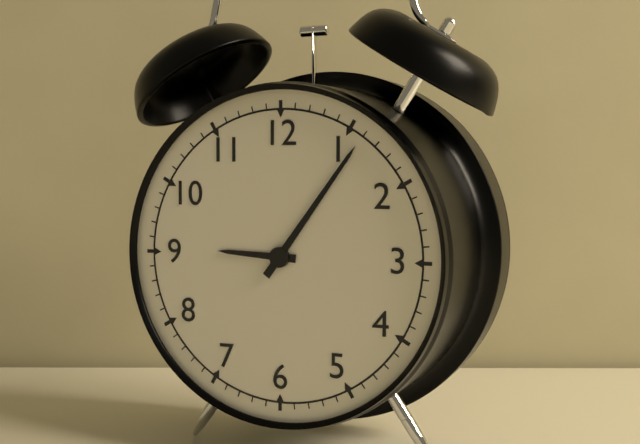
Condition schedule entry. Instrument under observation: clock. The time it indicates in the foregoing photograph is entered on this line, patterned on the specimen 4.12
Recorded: 9.06
